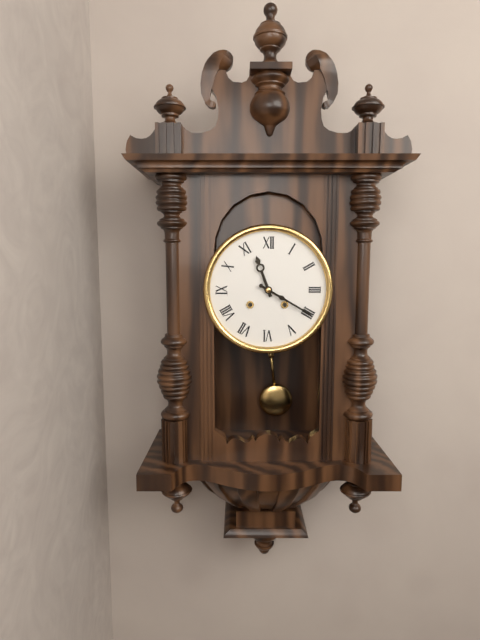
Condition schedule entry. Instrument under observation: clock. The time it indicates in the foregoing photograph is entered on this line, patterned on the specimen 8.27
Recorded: 11.20
